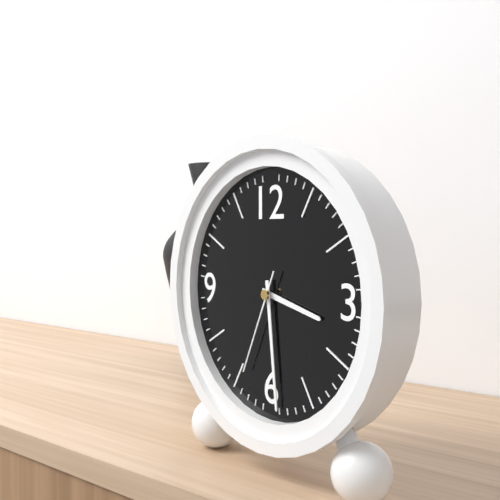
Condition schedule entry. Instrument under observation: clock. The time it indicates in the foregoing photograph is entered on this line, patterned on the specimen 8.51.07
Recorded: 3.29.34
